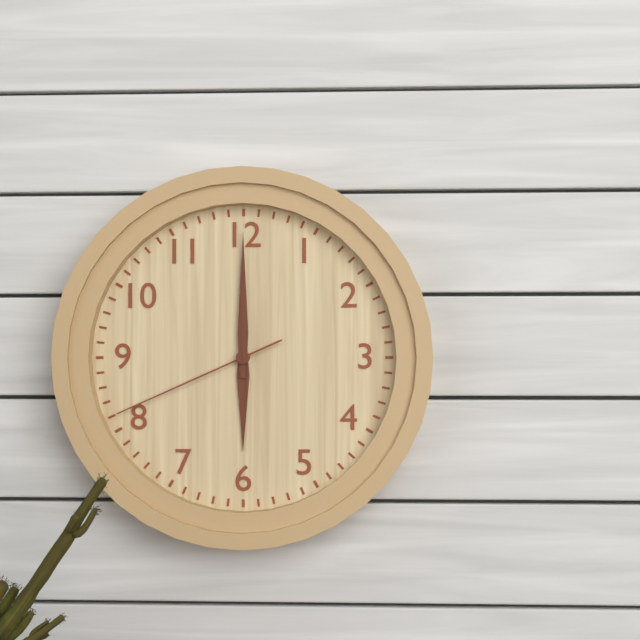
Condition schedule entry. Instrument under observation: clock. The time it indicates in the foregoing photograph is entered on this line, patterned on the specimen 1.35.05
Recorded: 6.00.41
